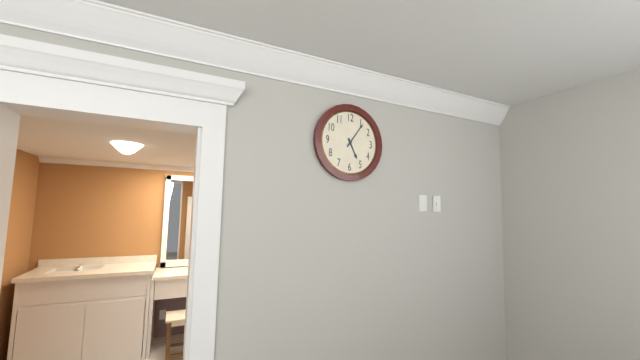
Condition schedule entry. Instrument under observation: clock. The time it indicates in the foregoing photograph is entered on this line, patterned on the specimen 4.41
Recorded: 5.06
